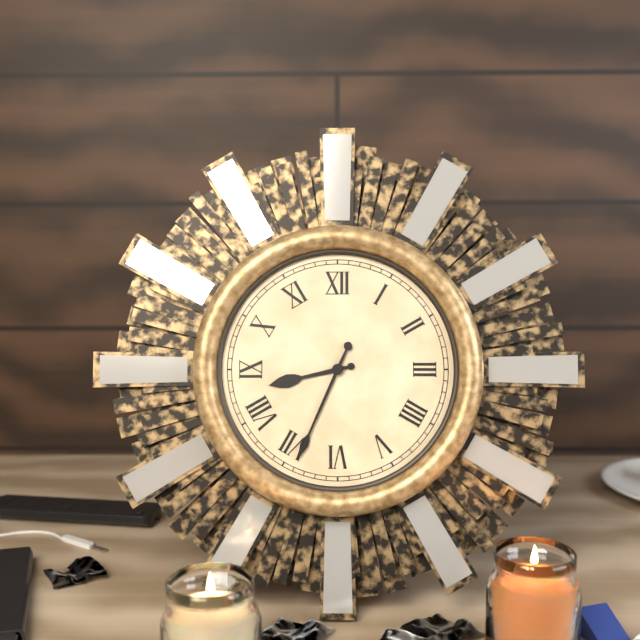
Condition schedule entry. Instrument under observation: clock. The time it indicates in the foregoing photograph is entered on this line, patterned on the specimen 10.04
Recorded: 8.34
